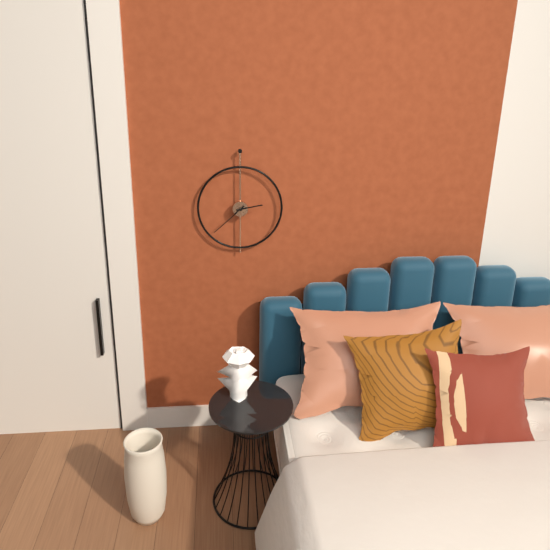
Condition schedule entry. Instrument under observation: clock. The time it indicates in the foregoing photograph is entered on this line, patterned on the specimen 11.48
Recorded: 2.38
